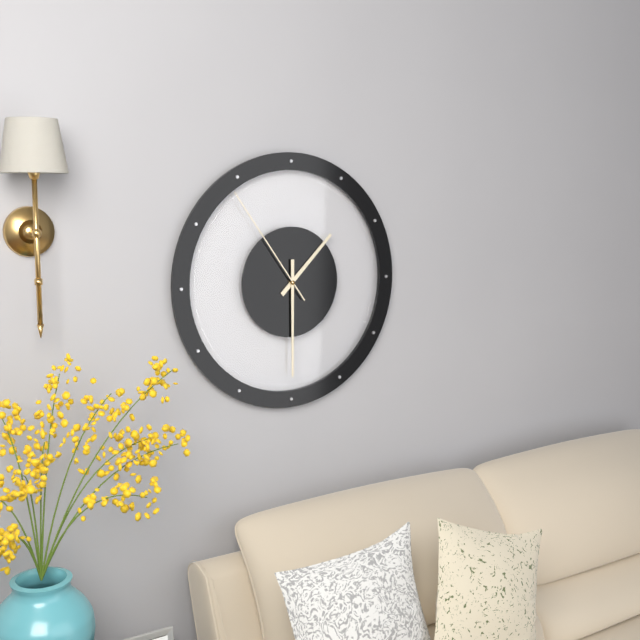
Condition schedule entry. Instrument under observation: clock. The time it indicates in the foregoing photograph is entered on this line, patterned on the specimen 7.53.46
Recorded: 1.30.54
